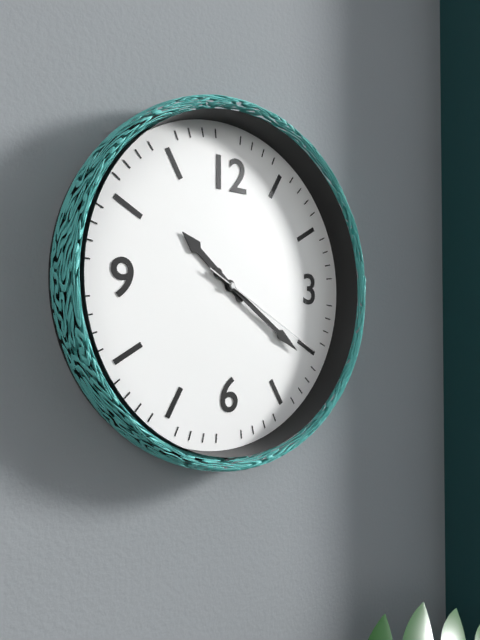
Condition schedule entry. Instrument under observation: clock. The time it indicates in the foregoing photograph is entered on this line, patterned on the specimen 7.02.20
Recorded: 10.21.20
